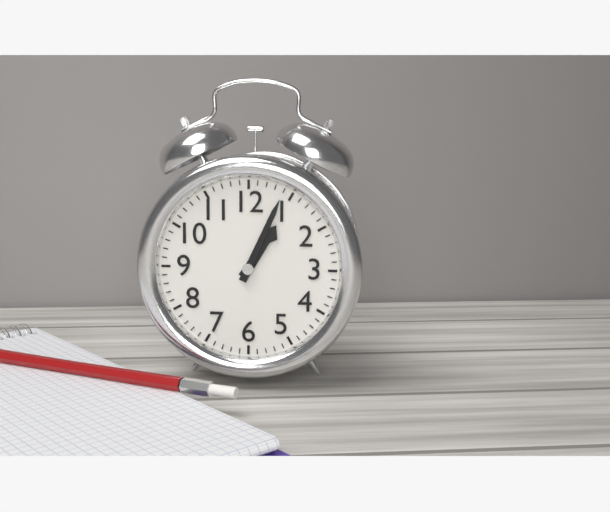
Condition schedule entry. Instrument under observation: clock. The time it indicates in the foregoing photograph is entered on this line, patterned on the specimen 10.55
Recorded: 1.04
